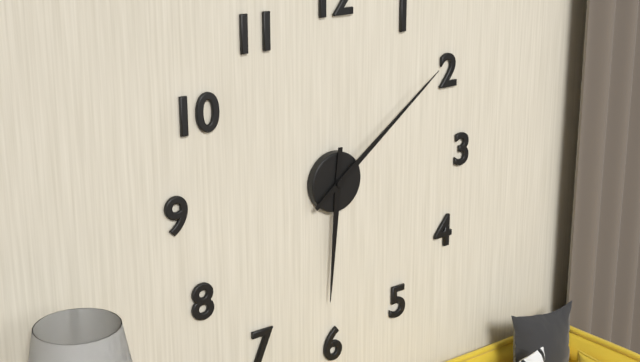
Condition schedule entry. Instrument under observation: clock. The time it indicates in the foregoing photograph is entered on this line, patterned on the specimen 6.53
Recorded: 6.09
